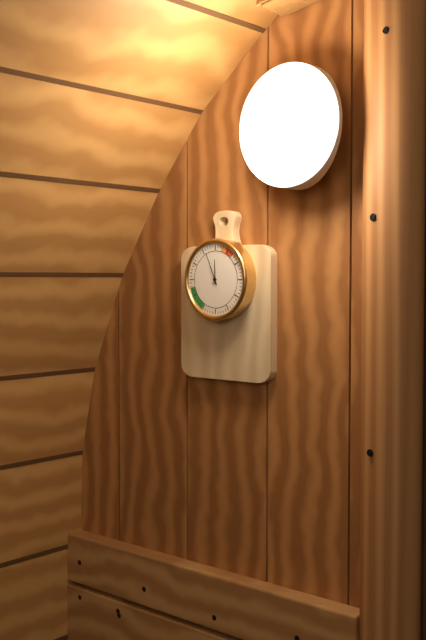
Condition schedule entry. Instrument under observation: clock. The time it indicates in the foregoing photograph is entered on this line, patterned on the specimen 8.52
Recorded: 11.56
